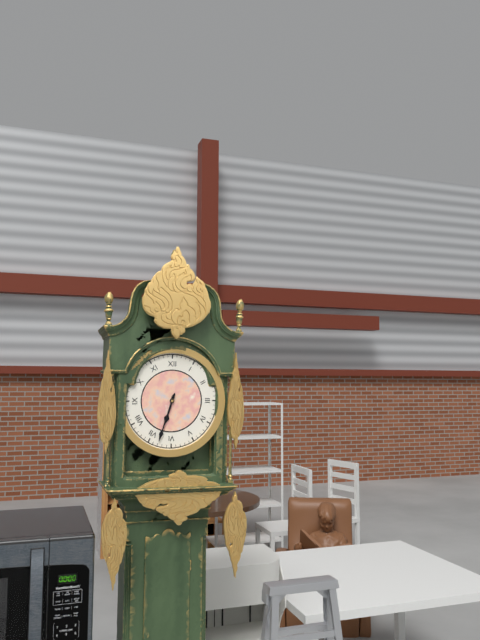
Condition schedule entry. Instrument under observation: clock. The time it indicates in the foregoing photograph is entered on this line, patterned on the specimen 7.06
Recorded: 6.33
